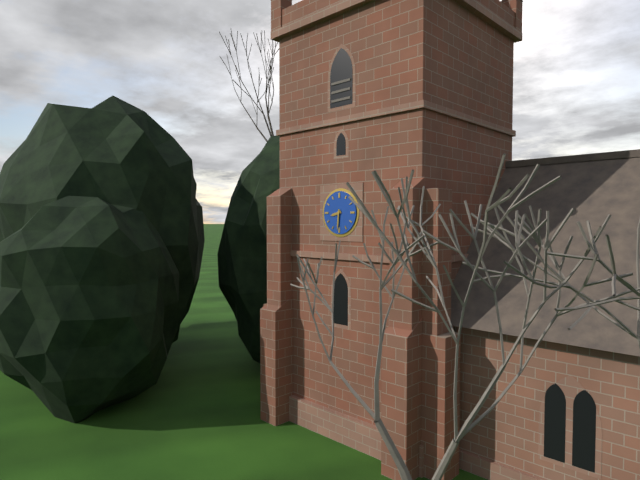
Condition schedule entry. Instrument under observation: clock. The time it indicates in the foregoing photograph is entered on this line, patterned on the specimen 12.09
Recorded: 8.31
